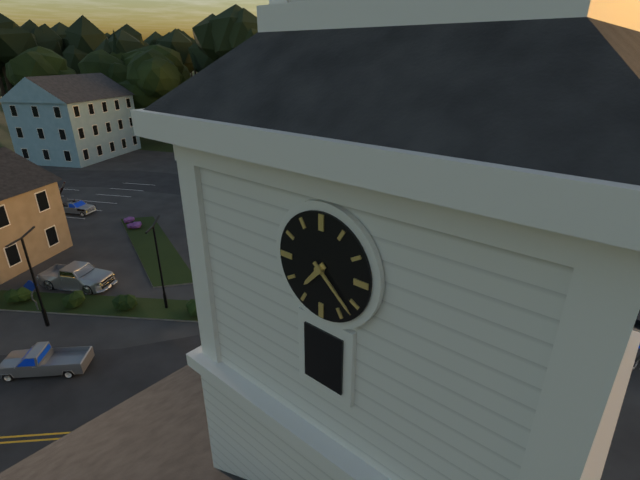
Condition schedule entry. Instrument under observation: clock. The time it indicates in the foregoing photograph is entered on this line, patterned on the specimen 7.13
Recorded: 7.22
